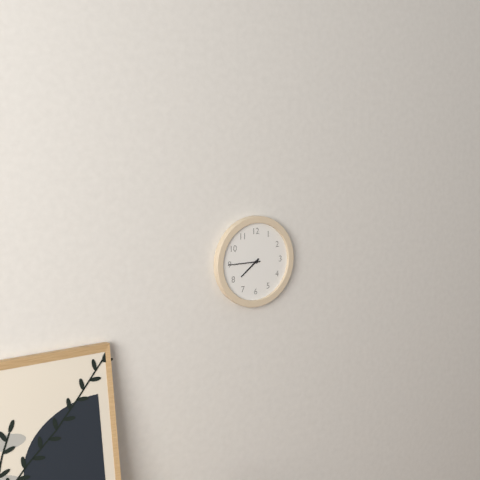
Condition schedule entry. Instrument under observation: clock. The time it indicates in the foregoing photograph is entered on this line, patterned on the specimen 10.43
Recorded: 7.45
